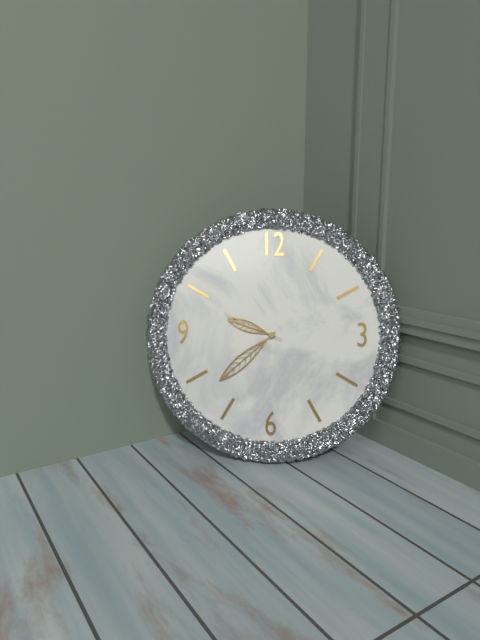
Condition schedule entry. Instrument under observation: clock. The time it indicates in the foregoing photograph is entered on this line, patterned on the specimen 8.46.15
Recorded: 9.38.49
